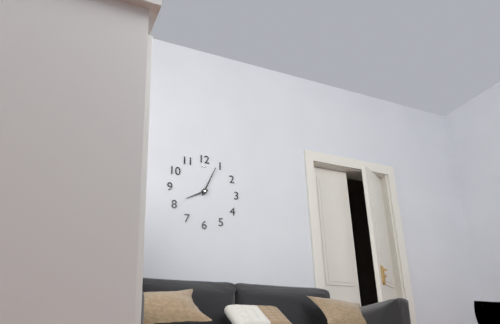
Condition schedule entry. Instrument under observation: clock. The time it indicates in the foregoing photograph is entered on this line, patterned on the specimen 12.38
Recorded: 8.04
